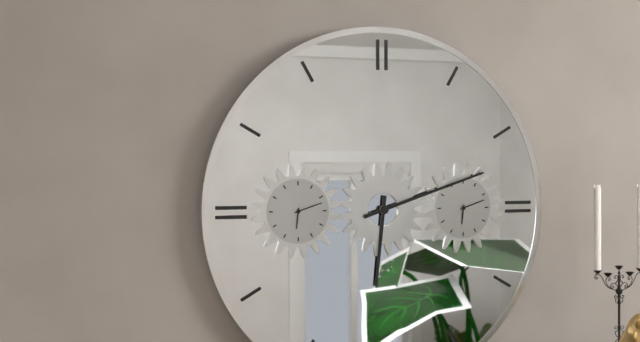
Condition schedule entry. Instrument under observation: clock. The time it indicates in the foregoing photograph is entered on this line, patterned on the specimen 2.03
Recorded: 6.12
